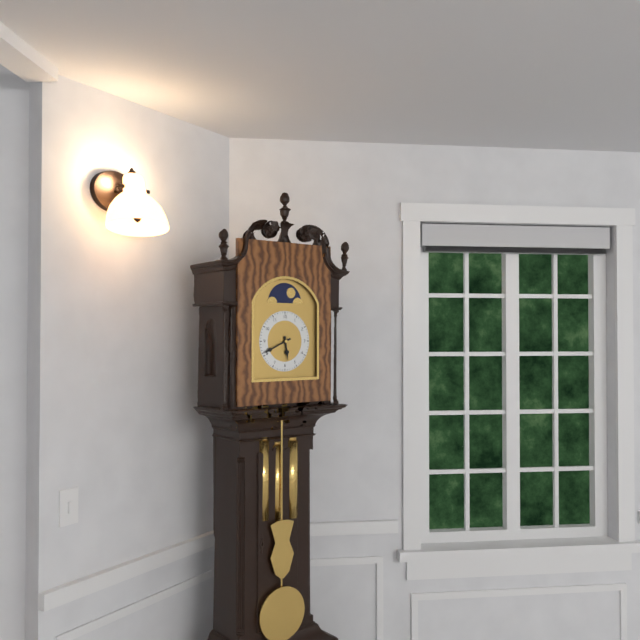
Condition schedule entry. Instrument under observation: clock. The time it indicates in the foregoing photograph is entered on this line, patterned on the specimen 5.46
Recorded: 5.41
